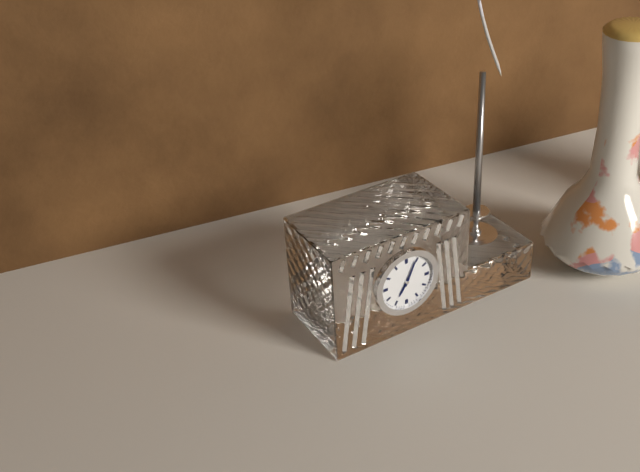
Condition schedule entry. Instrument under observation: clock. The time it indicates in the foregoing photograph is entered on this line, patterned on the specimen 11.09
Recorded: 7.04
